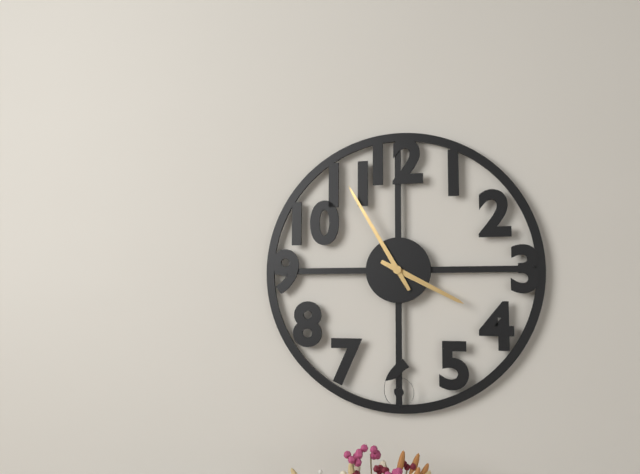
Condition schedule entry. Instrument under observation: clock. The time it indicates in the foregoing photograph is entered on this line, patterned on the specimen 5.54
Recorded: 3.55
